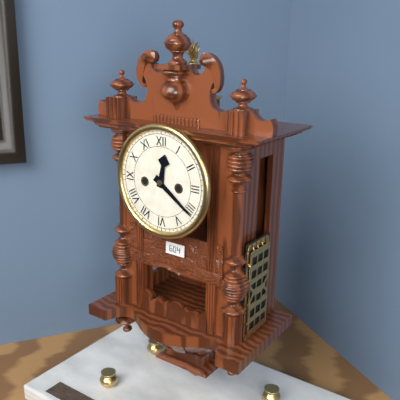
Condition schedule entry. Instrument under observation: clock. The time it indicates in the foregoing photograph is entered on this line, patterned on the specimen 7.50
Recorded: 12.21
